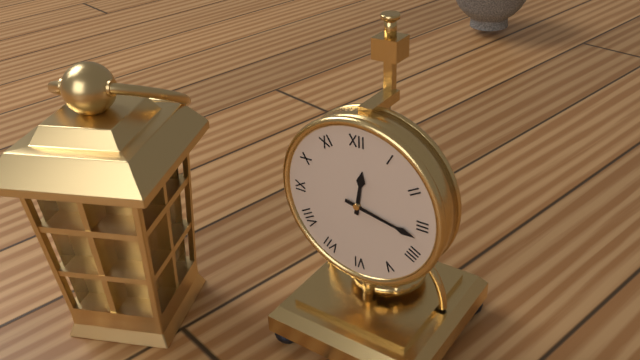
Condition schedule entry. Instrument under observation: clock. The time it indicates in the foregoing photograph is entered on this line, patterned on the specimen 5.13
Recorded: 12.17
